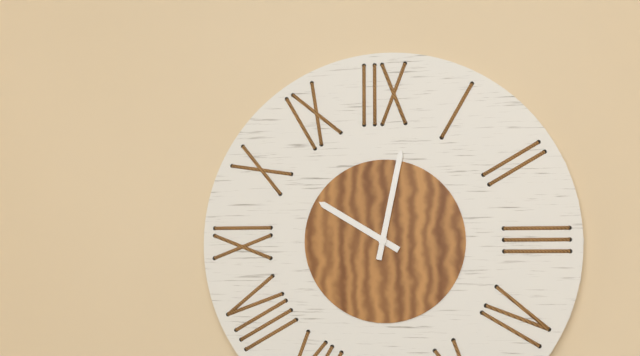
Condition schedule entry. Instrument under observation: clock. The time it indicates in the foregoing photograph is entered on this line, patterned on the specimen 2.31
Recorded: 10.02
